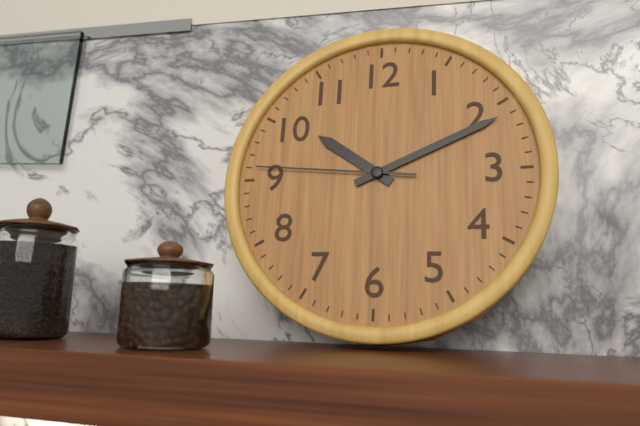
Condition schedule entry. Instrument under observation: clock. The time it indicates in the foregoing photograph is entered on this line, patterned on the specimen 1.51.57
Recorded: 10.11.46
